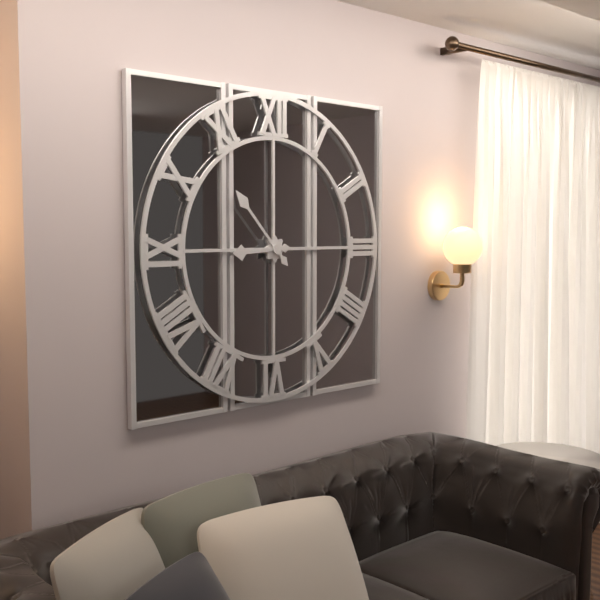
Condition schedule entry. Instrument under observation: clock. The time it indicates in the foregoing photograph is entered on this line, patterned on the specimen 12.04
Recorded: 8.53
